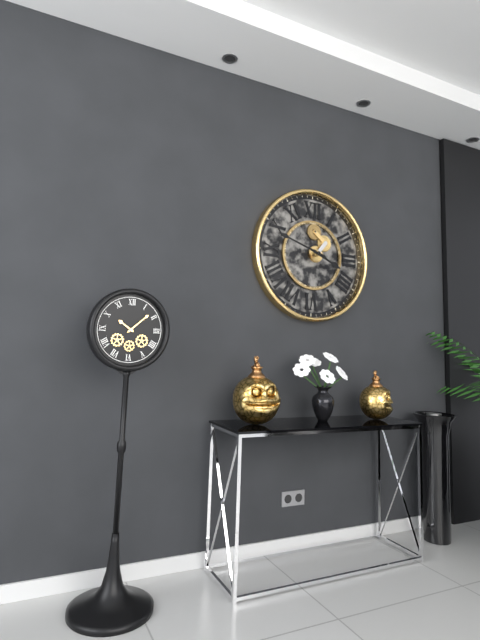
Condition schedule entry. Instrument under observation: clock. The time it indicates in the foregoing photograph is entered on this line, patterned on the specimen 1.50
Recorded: 3.48
